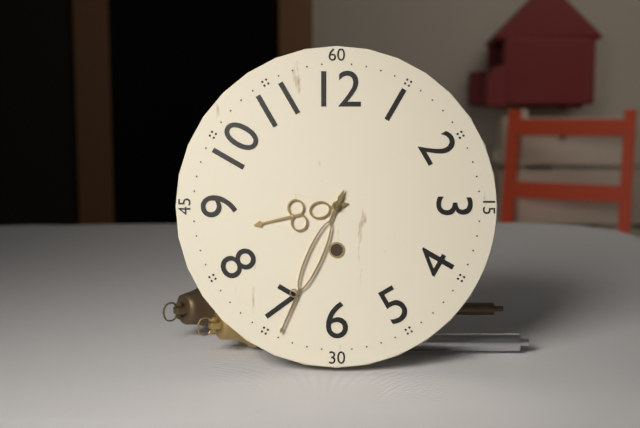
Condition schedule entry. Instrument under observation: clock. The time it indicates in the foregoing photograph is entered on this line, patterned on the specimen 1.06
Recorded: 8.34
